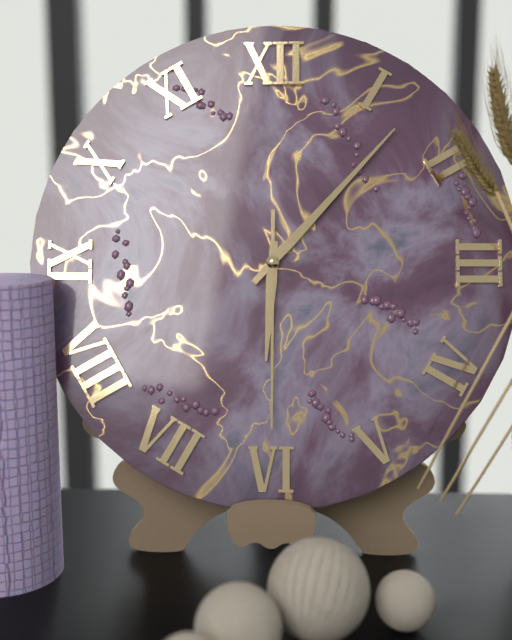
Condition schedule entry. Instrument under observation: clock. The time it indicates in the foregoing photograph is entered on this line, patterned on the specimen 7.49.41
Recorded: 6.07.30
